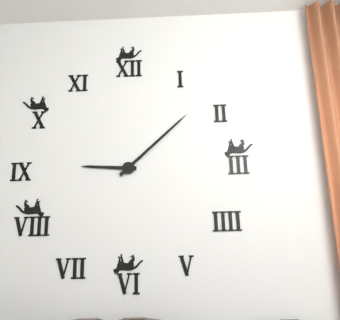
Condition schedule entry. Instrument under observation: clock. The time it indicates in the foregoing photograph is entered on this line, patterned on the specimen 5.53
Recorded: 9.08
